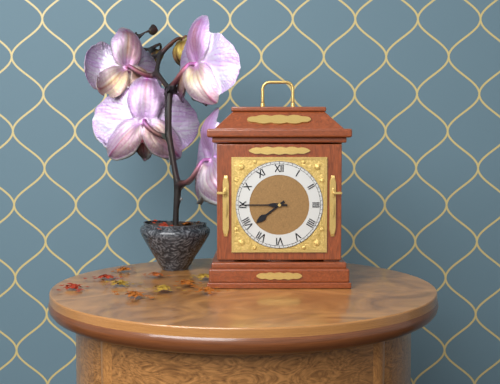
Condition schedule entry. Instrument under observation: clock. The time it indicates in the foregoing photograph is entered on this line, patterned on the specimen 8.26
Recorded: 7.45
